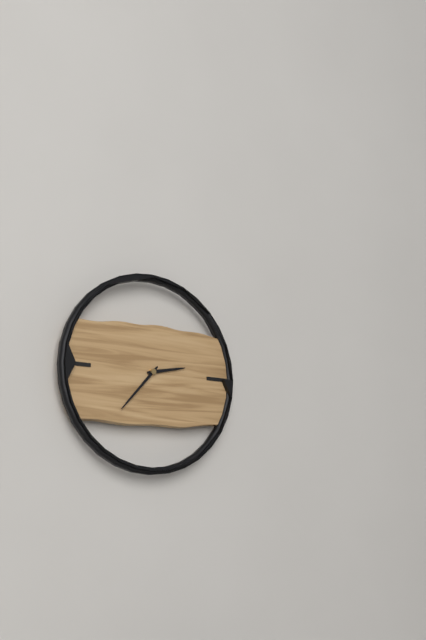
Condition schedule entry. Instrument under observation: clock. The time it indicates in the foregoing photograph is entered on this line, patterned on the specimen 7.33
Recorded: 2.37
